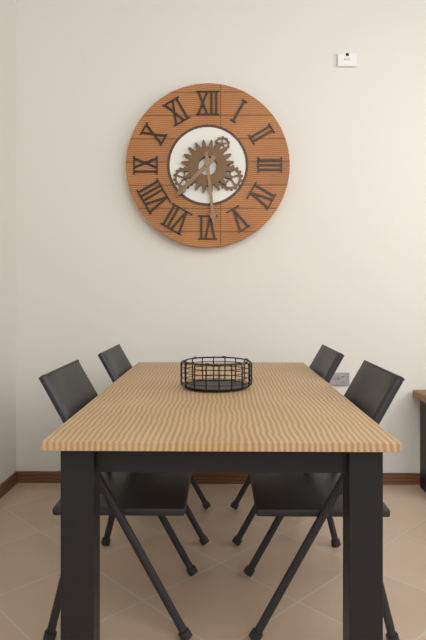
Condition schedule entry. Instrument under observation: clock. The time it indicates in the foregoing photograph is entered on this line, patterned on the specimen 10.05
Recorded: 7.29
